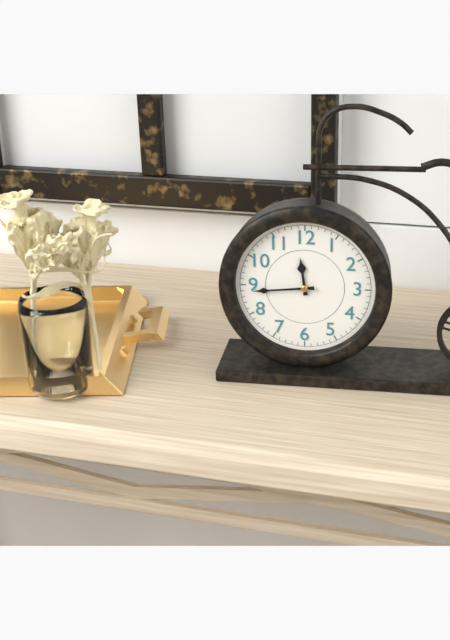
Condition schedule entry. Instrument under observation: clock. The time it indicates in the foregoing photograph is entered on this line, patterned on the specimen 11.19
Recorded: 11.44
